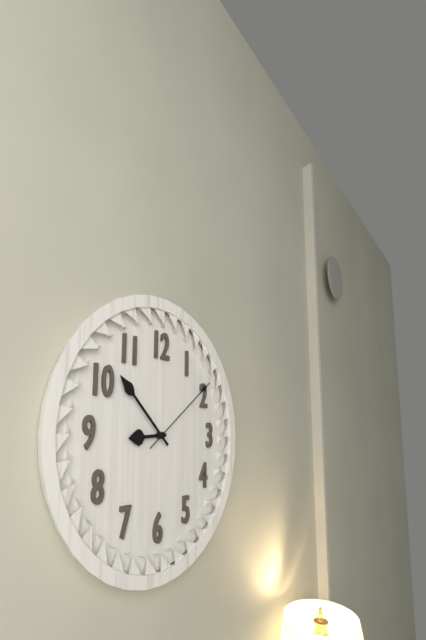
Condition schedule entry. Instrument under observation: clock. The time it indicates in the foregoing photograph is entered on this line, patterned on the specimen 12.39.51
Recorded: 8.52.09
